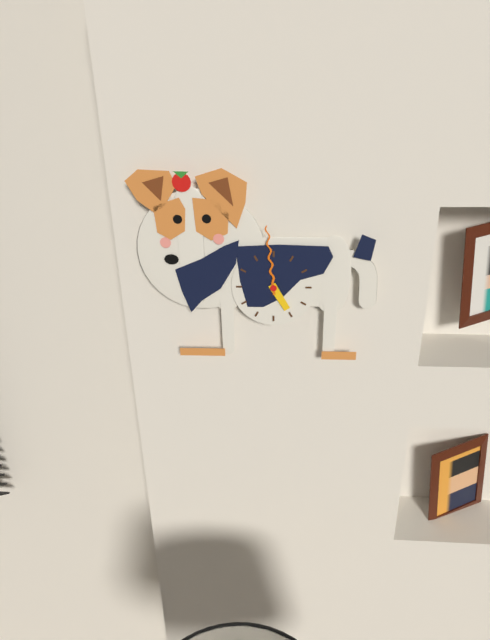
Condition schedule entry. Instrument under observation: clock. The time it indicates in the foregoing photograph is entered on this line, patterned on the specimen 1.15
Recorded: 4.59
